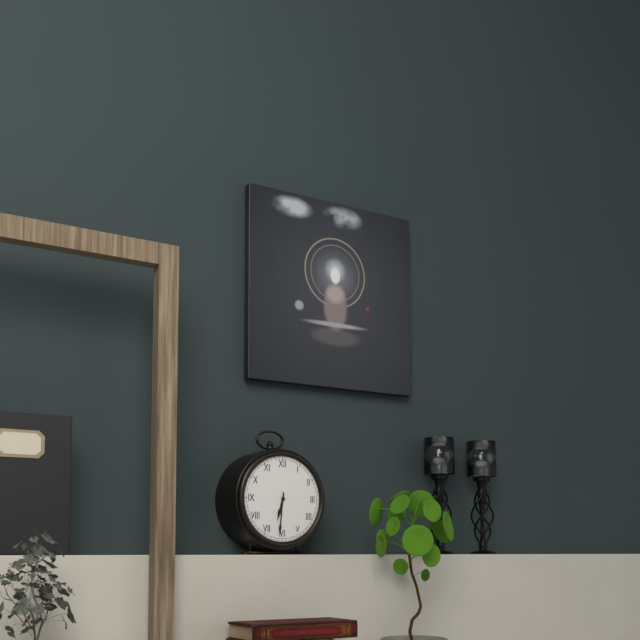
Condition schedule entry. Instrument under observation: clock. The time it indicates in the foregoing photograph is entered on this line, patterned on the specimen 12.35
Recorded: 6.31
